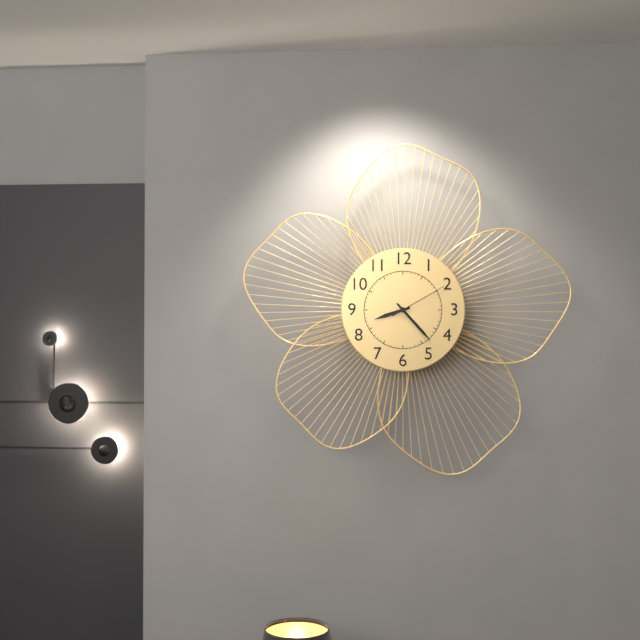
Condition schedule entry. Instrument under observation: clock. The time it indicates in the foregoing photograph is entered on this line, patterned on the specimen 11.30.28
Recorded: 8.23.10
